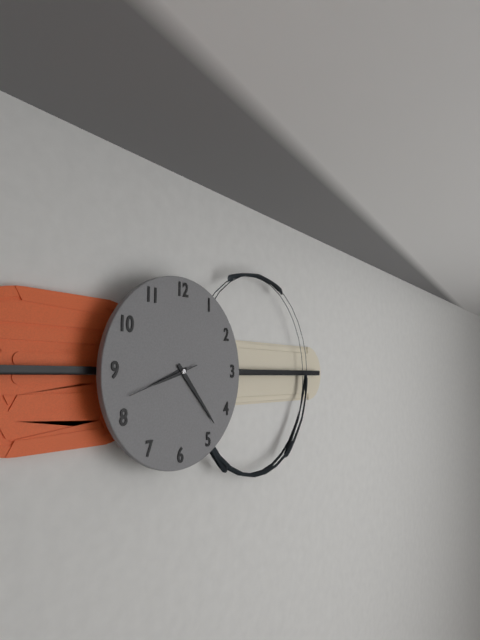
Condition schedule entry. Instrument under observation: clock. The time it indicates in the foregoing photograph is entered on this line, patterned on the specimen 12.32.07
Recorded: 8.23.42
